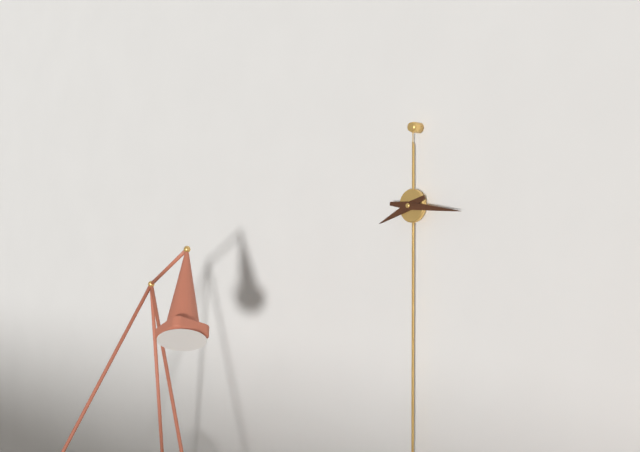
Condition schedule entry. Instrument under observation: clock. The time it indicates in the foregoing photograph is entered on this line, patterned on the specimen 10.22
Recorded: 8.16
